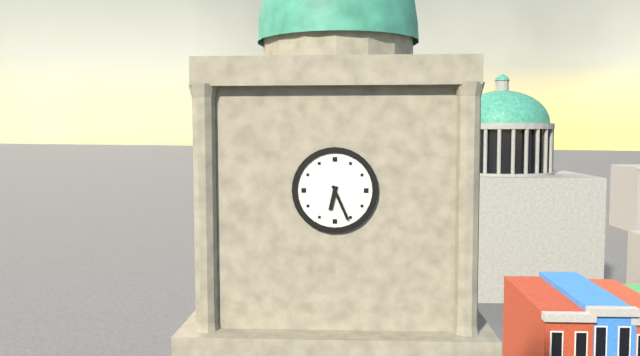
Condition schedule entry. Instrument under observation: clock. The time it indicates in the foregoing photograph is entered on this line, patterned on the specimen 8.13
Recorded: 6.26
